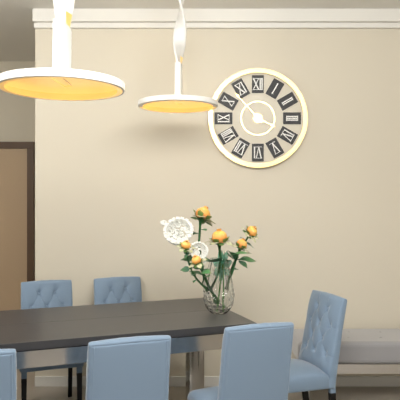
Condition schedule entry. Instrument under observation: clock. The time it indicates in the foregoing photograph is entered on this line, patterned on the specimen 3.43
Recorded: 3.53
